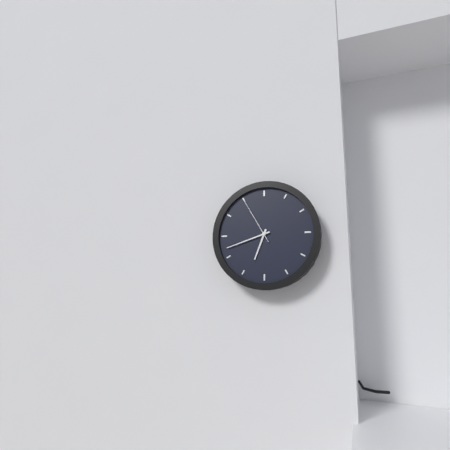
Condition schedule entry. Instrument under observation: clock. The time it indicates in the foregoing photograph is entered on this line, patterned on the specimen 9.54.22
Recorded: 6.42.55
